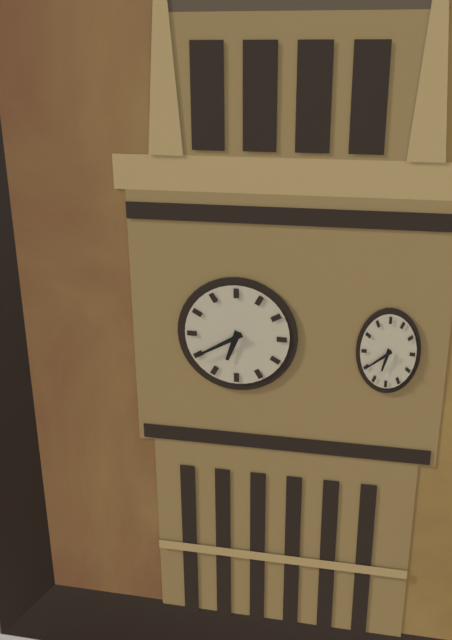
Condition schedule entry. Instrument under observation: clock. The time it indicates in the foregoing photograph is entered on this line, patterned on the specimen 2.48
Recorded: 6.40
